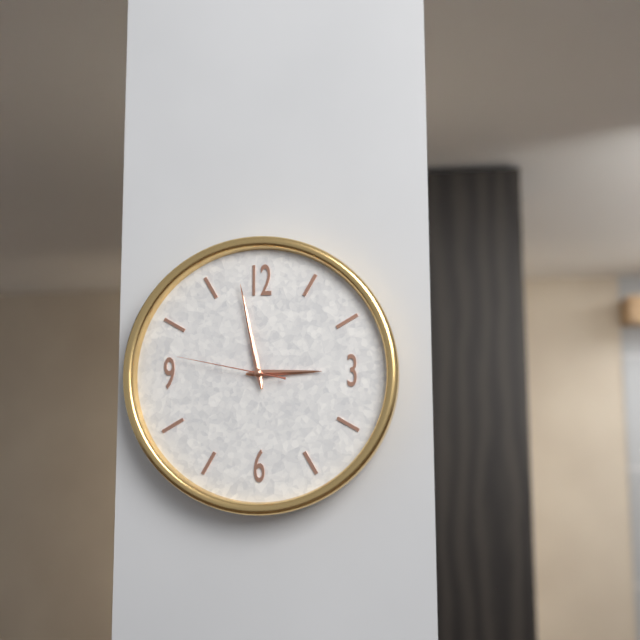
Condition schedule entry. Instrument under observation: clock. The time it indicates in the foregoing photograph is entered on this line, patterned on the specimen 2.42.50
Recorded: 2.58.47
